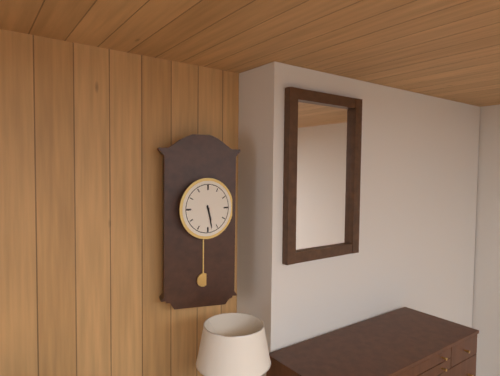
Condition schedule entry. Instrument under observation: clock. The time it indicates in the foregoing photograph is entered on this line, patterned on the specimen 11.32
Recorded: 5.28
